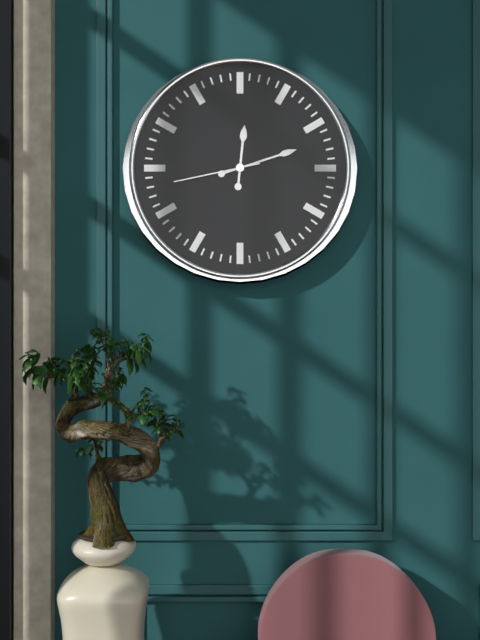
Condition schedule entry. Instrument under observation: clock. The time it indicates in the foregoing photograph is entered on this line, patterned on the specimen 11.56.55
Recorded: 12.12.43
